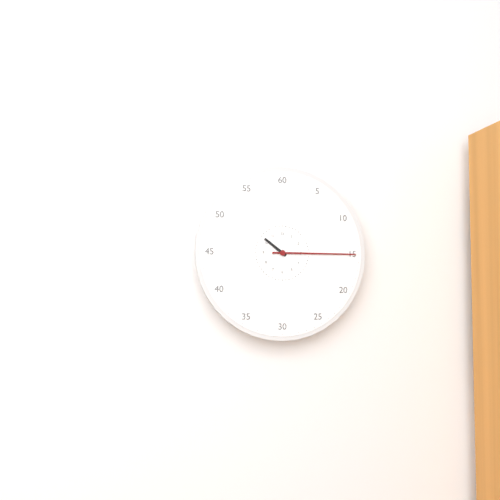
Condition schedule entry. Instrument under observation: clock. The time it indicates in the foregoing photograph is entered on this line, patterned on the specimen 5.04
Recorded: 10.15
